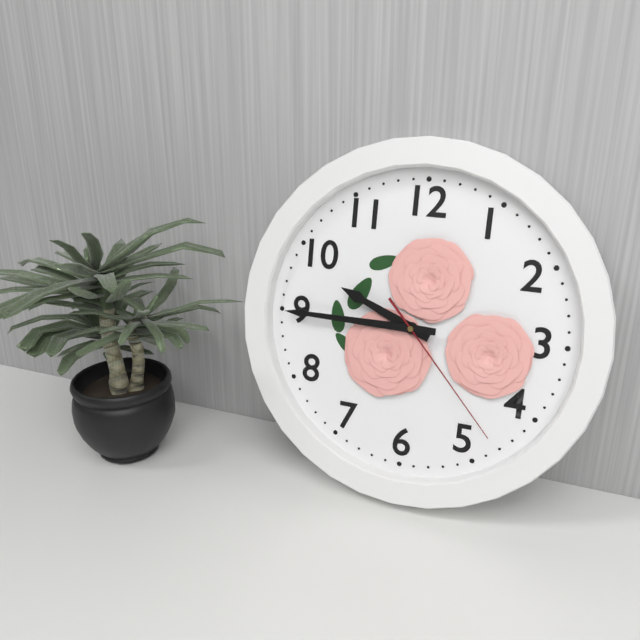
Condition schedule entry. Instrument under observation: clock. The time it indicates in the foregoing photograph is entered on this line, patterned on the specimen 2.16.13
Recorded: 9.45.23
